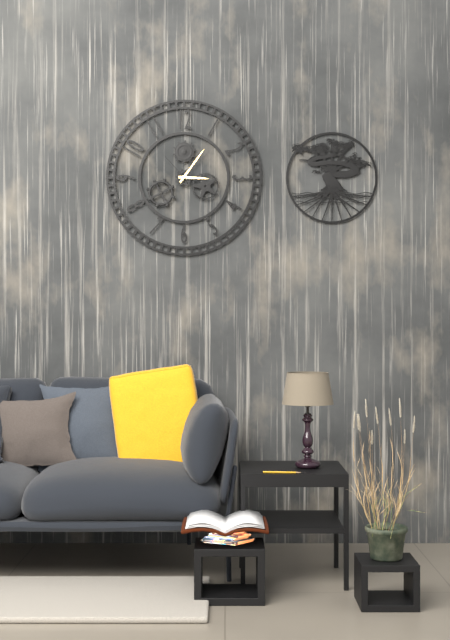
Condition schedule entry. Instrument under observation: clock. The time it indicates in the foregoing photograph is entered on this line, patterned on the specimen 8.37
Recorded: 3.06
